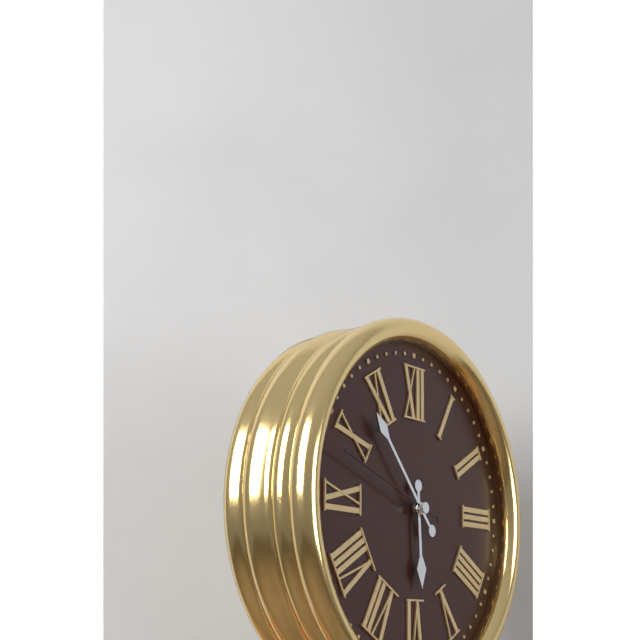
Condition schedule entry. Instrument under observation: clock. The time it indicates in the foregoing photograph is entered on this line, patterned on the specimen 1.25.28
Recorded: 5.53.48
